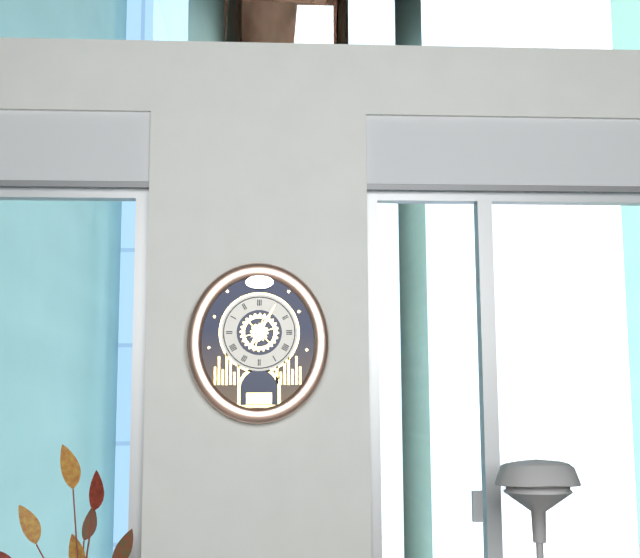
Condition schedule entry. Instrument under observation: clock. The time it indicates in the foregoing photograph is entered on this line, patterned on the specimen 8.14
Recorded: 7.05
